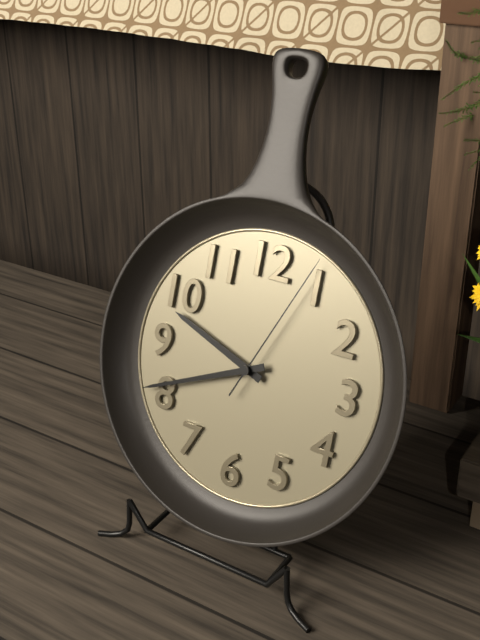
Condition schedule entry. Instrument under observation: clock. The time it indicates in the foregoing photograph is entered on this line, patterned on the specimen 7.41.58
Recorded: 9.41.04
